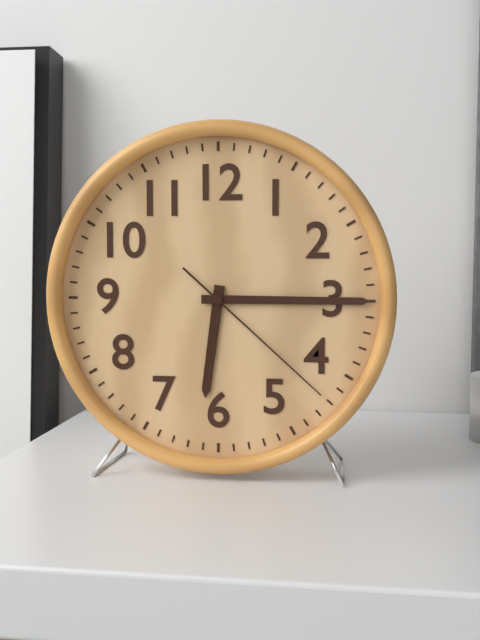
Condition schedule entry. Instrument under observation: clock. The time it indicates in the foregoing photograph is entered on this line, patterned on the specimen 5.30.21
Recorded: 6.15.22
